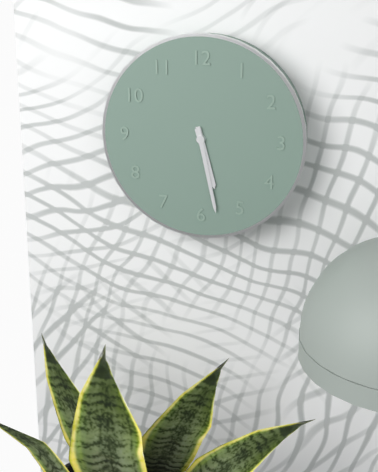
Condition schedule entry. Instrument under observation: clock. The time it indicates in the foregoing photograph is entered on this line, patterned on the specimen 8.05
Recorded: 5.28
